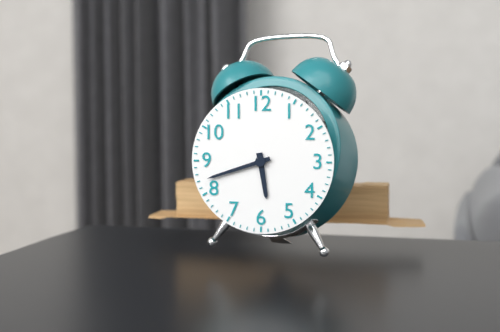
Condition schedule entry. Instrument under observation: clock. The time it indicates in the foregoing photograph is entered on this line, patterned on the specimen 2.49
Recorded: 5.42
